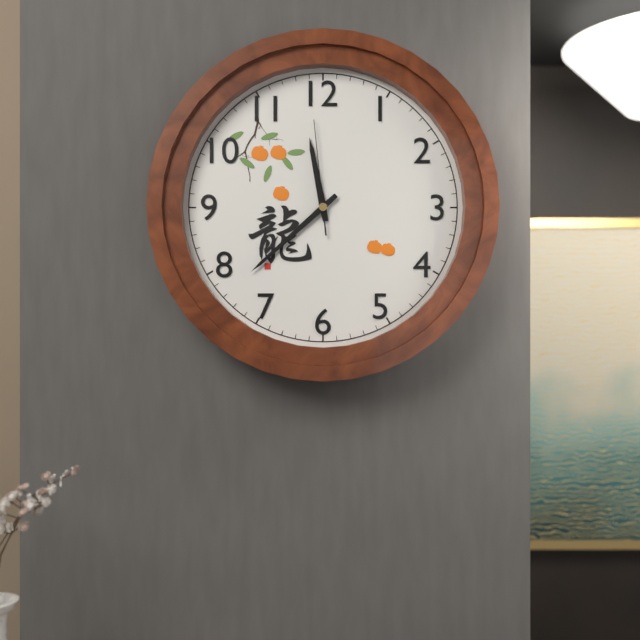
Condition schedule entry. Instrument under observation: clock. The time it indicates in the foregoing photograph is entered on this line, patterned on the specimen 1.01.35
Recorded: 11.38.59
